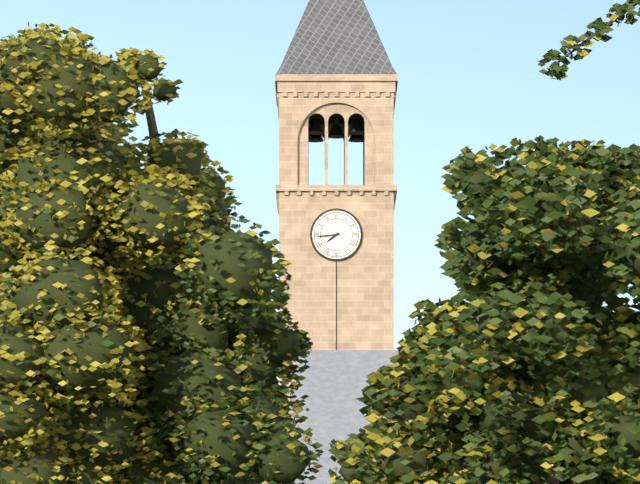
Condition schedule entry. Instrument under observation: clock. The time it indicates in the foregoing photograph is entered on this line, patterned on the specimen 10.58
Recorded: 7.44
